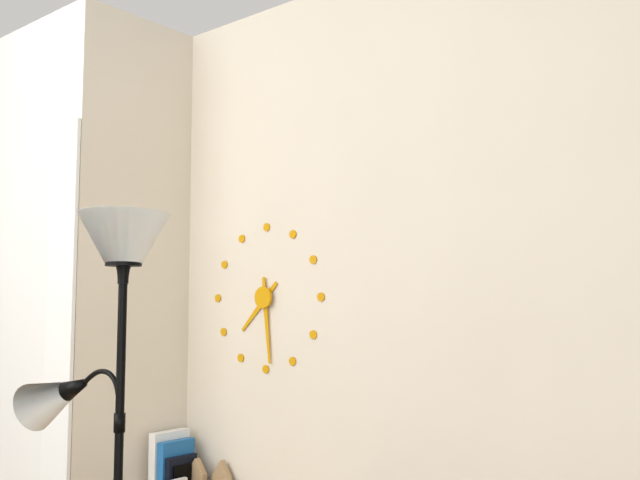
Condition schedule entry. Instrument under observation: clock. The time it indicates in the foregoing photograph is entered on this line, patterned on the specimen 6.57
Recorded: 7.29
